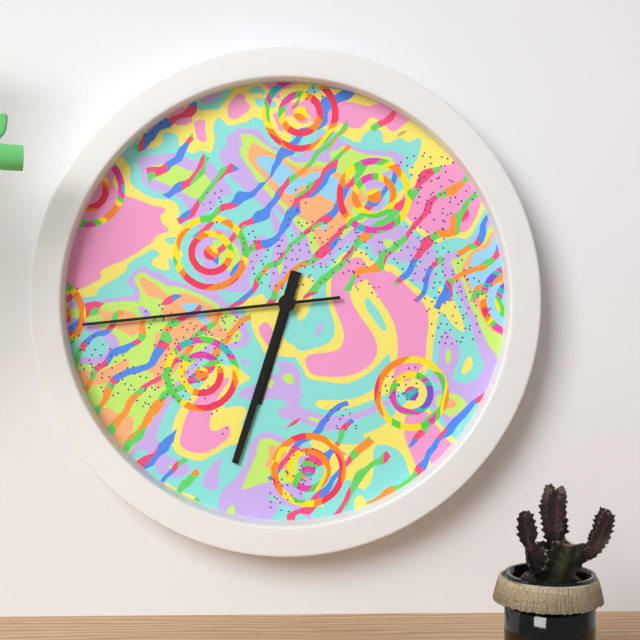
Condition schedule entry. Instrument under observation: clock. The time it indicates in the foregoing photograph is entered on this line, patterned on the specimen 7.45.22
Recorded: 6.33.44
